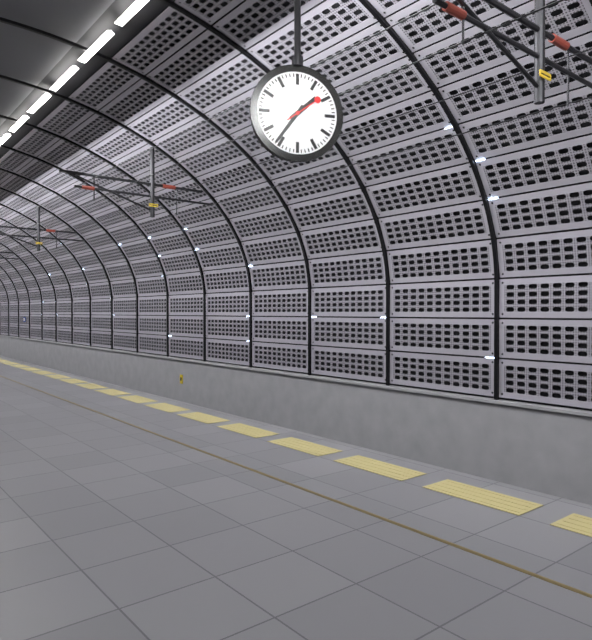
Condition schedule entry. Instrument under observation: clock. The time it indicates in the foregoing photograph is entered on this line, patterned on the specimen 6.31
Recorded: 1.36
